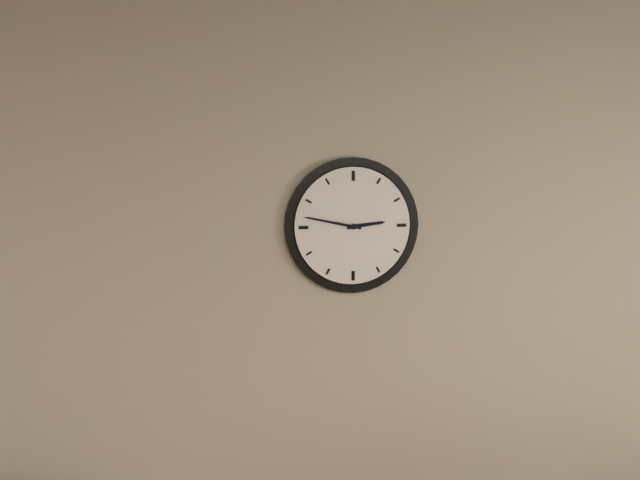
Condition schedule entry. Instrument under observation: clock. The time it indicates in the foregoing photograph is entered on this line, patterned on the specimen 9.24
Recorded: 2.47
